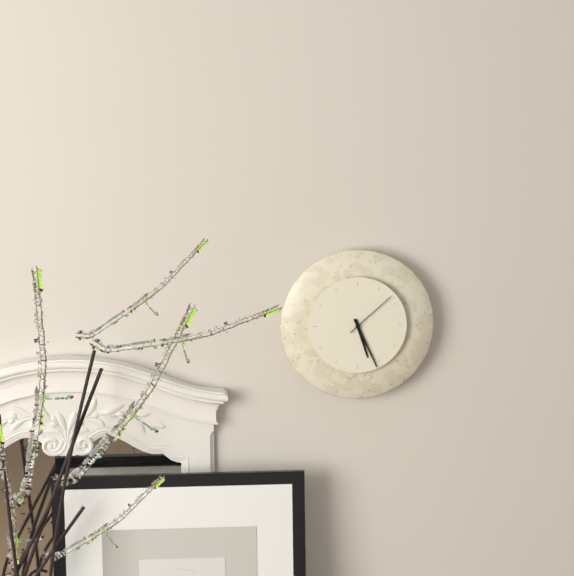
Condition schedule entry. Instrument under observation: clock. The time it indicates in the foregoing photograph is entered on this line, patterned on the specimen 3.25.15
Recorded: 5.26.08
